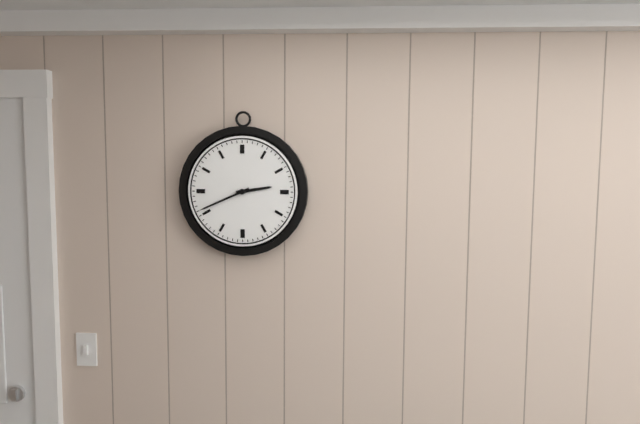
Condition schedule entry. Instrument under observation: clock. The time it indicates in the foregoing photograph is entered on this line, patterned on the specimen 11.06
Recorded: 2.41
